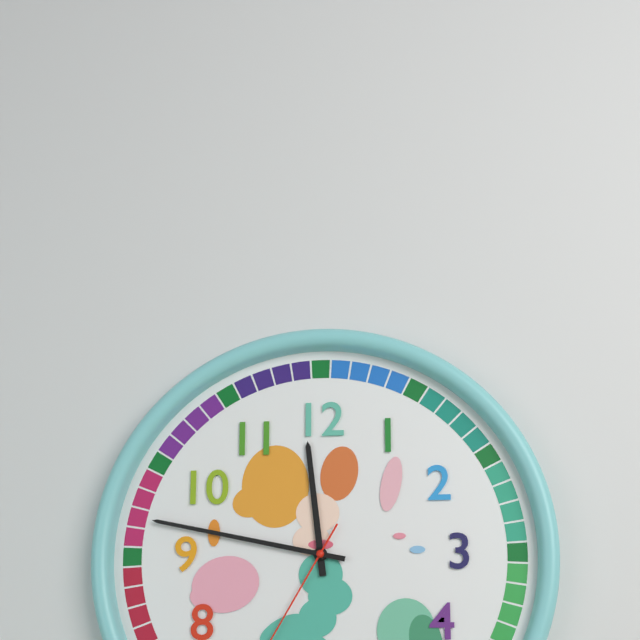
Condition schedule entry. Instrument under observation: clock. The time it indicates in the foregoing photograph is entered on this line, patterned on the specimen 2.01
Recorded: 11.47
